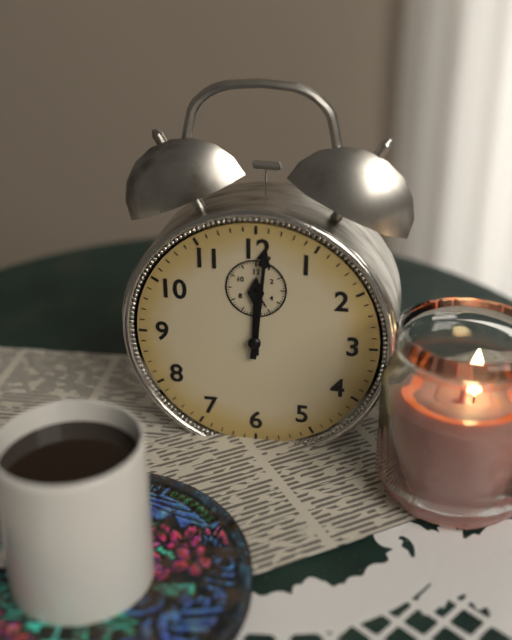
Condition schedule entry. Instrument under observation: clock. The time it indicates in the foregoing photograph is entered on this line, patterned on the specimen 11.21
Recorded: 12.01
